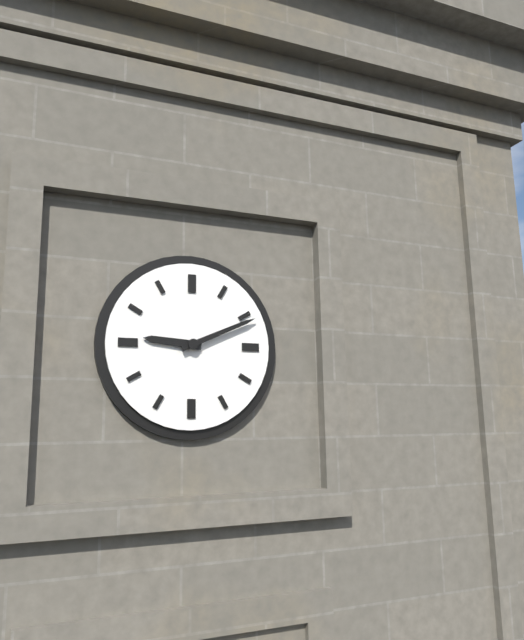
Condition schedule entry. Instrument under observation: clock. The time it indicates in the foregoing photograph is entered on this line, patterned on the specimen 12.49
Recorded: 9.11
